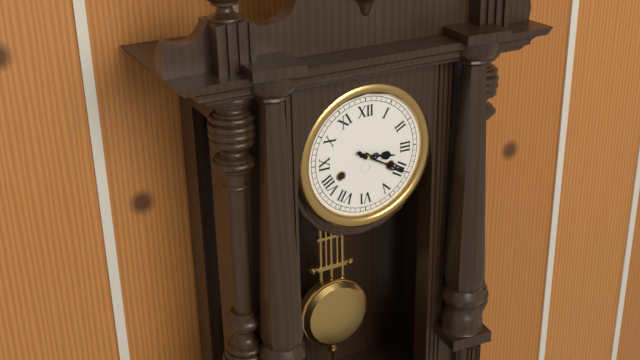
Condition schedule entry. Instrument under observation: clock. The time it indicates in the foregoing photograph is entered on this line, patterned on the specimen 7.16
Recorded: 3.20
